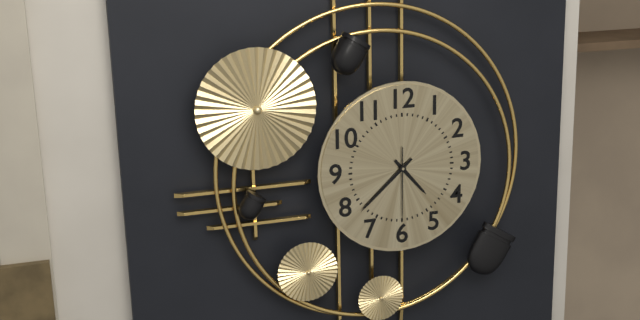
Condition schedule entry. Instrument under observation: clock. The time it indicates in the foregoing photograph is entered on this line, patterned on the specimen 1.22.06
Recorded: 4.38.30
